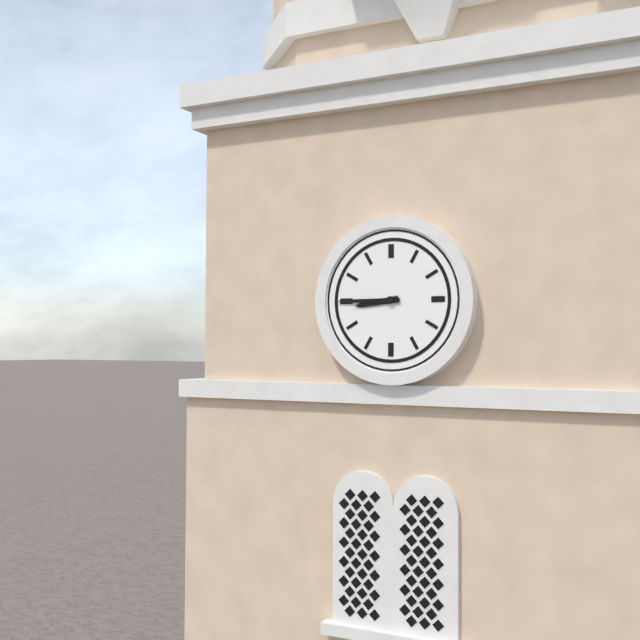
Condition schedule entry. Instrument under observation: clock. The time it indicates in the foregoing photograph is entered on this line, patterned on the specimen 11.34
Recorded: 8.45
